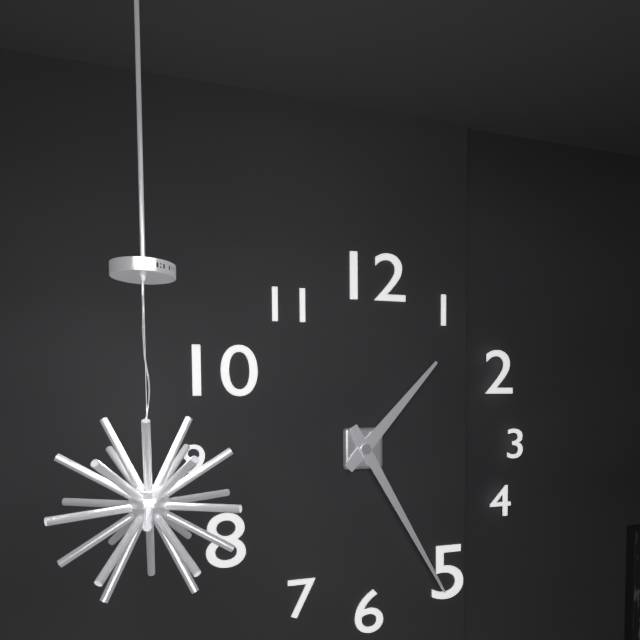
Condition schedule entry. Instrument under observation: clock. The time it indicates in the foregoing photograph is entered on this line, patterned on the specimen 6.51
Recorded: 1.25
